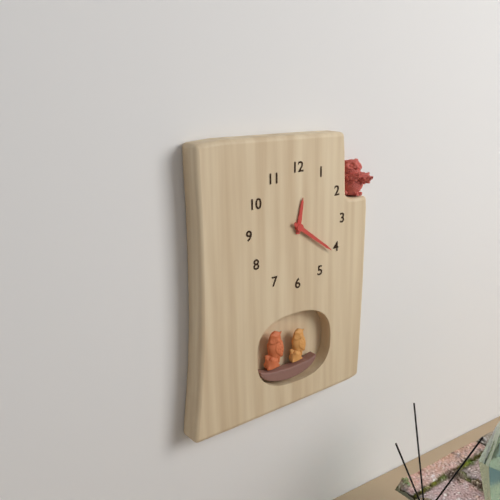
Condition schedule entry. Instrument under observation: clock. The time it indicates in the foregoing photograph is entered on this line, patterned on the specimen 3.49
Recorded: 12.21
